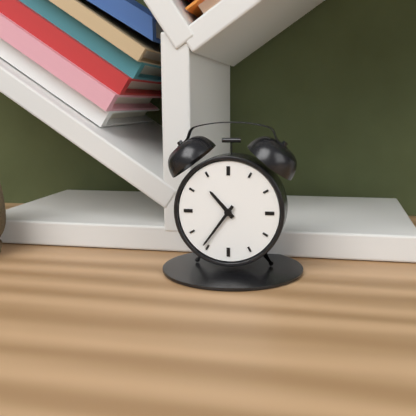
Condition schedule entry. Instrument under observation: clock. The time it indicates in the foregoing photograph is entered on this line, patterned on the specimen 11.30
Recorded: 10.36
